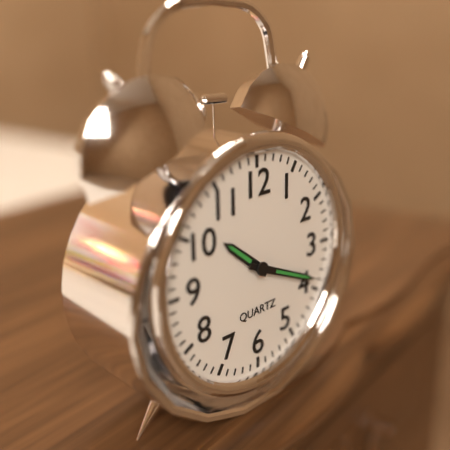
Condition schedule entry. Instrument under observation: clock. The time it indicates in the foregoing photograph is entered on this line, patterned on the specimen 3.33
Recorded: 10.19
